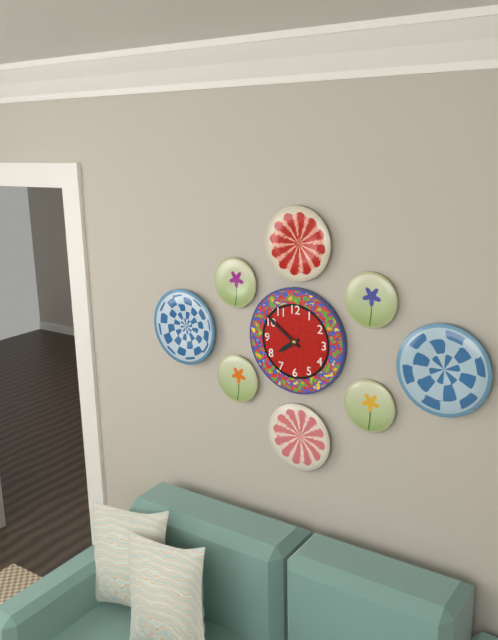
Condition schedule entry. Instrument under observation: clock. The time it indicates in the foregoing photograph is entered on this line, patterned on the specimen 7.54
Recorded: 7.51
